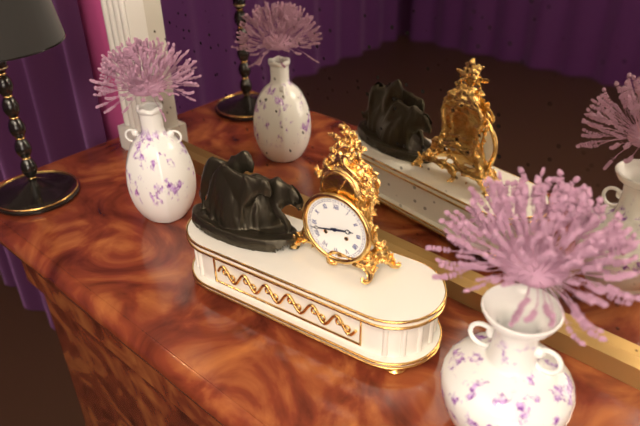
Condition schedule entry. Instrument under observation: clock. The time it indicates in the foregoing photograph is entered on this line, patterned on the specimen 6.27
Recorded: 2.43
